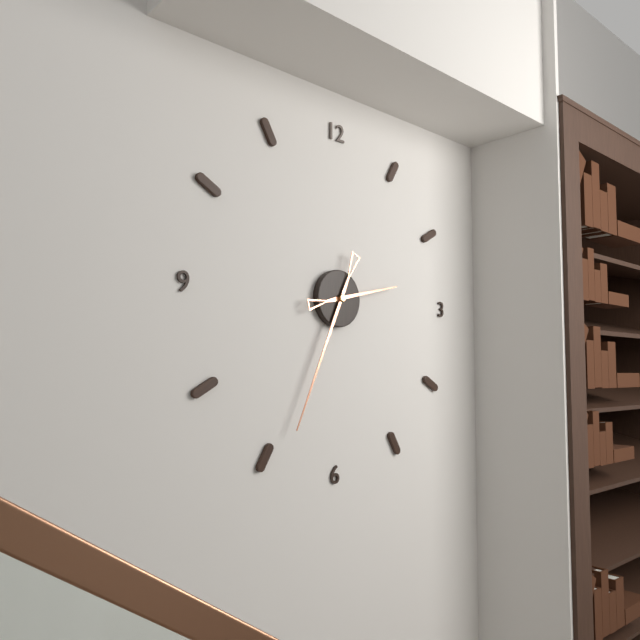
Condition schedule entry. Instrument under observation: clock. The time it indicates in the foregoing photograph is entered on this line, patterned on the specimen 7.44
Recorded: 2.34
